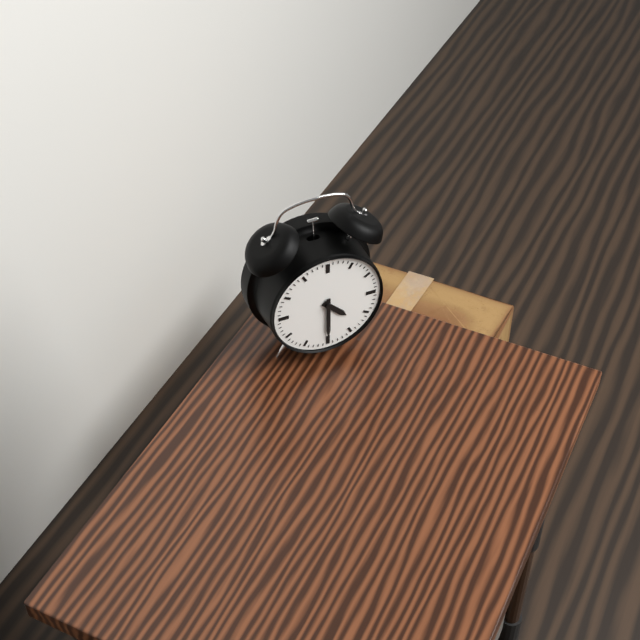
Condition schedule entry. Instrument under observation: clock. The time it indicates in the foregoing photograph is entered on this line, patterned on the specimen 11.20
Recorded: 4.30
